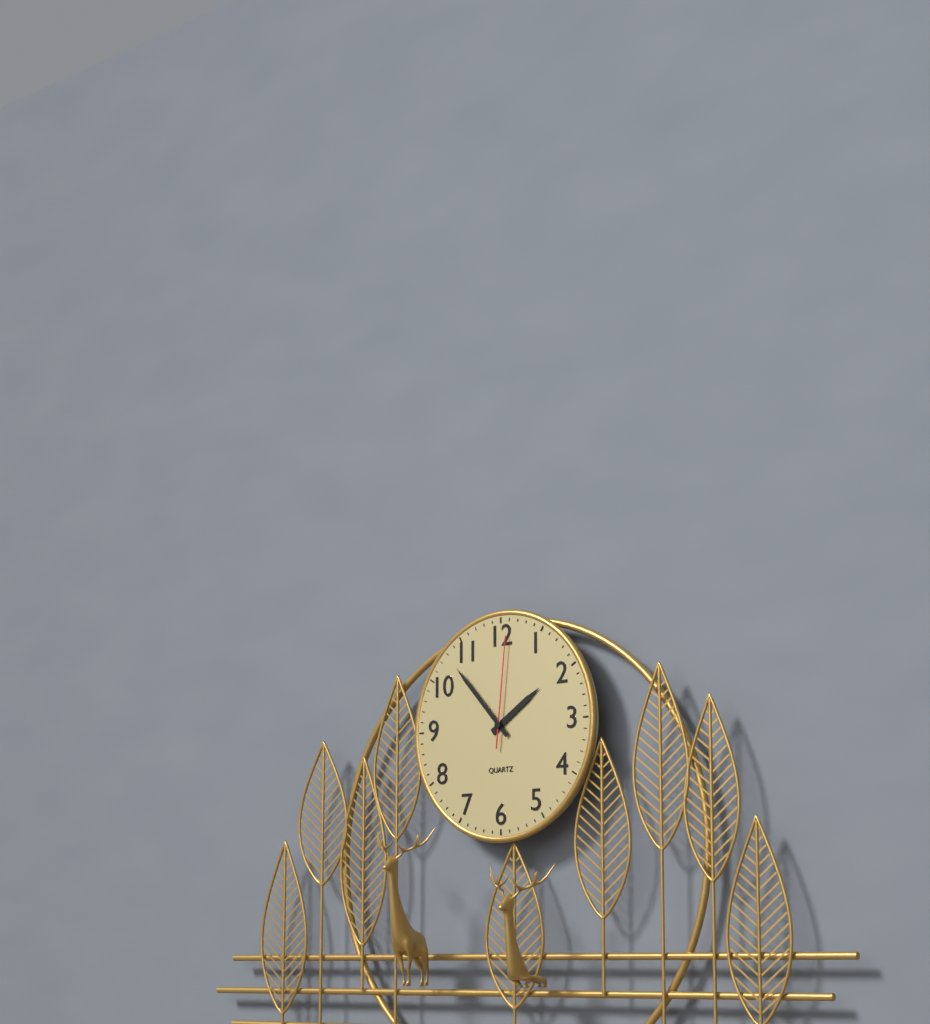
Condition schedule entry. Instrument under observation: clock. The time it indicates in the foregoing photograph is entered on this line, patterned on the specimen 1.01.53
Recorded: 1.53.01
